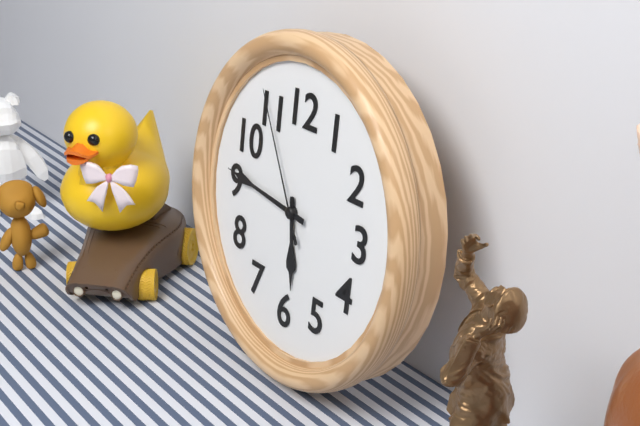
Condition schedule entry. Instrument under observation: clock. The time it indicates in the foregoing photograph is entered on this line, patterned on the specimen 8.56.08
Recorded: 5.46.55
